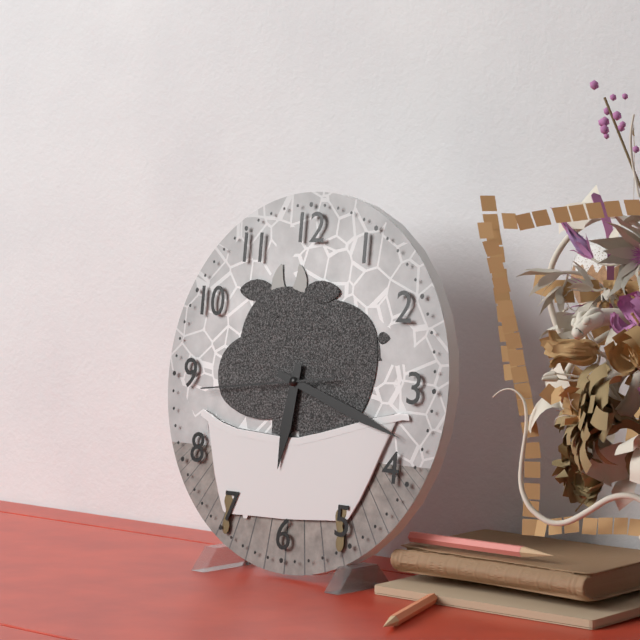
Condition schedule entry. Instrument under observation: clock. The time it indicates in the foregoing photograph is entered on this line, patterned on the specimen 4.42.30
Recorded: 6.18.44
